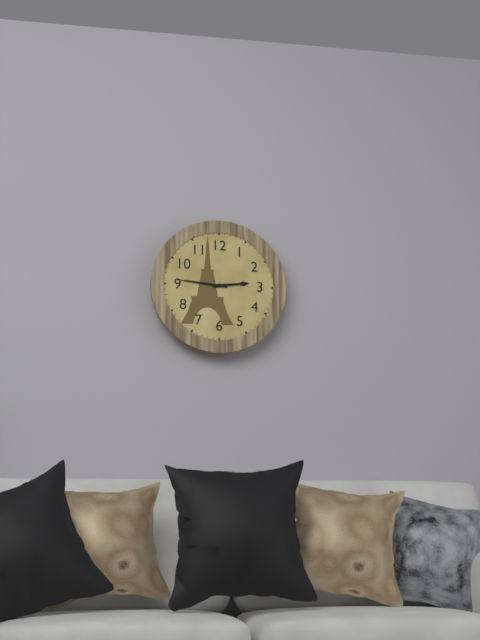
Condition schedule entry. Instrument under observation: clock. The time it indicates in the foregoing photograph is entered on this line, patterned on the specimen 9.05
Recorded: 2.46
